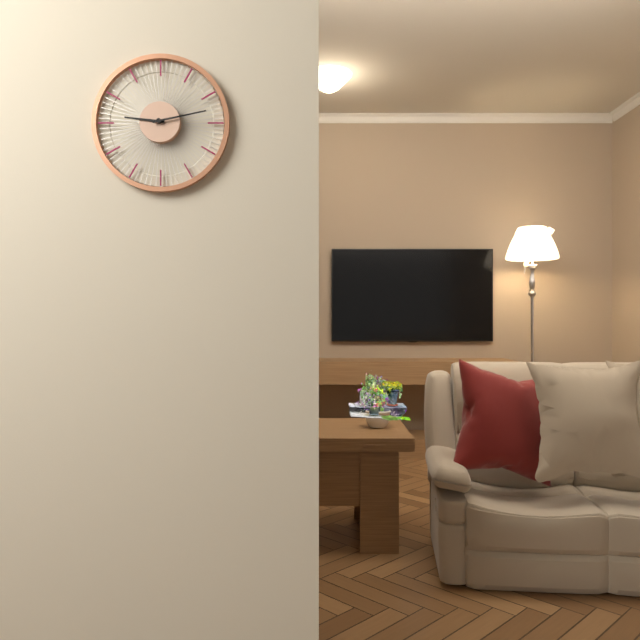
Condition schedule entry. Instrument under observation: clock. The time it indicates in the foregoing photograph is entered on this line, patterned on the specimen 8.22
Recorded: 9.13
